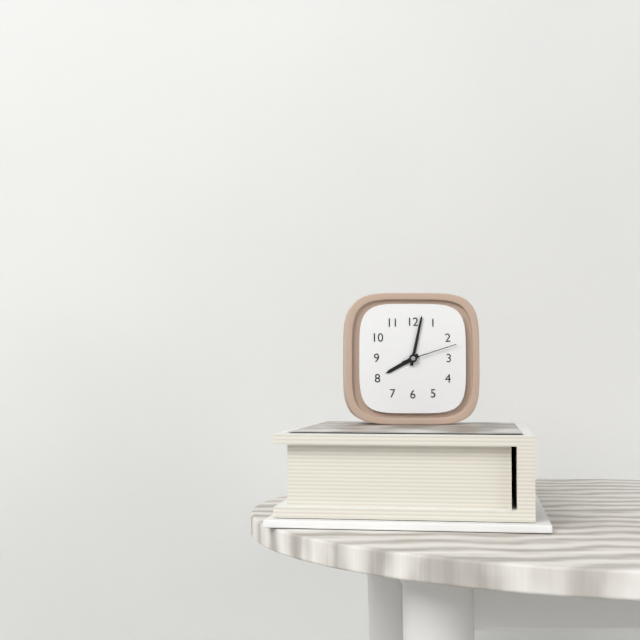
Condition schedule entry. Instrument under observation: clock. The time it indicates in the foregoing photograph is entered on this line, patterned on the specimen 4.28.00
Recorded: 8.02.12
